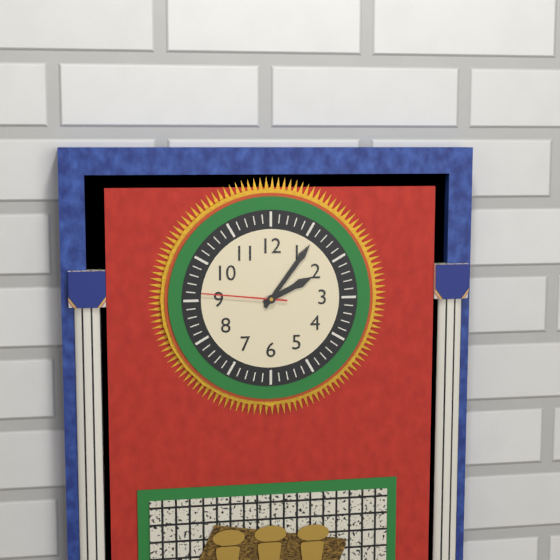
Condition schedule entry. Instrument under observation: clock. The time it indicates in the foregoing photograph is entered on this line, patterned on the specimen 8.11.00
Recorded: 2.06.46
